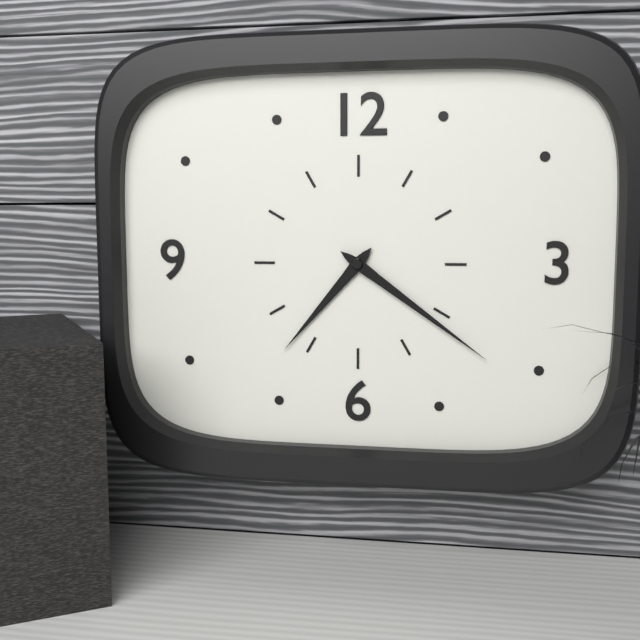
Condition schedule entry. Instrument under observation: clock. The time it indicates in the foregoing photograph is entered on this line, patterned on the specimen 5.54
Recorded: 7.21
